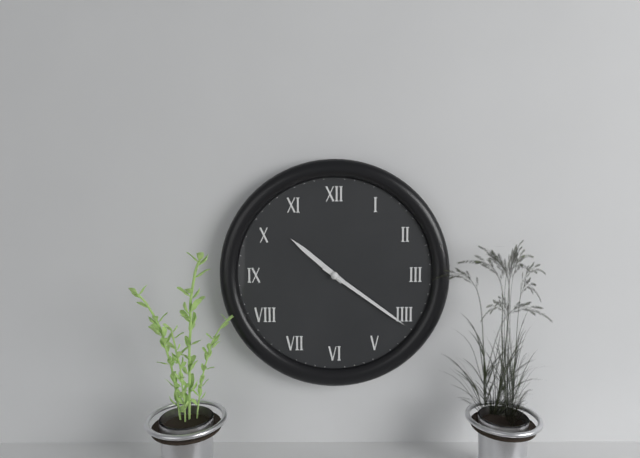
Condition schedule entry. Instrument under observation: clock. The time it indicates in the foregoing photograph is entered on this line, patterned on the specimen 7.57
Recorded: 10.21
